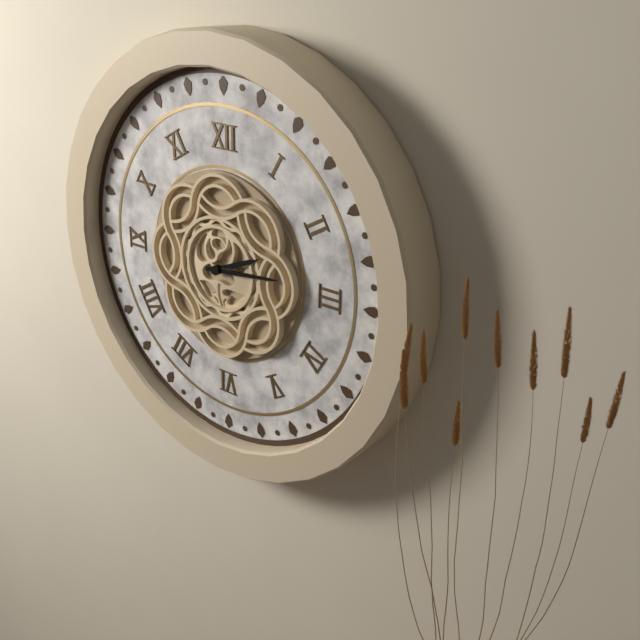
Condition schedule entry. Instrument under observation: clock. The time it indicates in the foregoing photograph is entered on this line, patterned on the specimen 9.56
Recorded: 2.14
